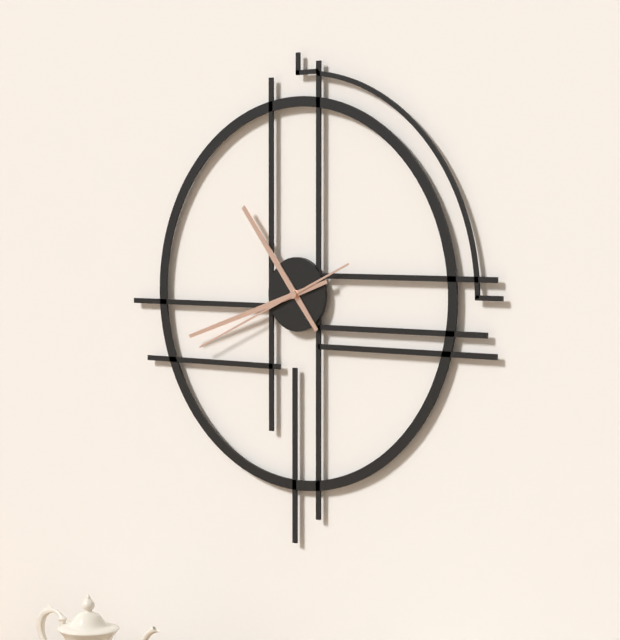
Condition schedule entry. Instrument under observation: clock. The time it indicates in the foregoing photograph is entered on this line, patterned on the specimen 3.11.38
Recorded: 10.42.41
